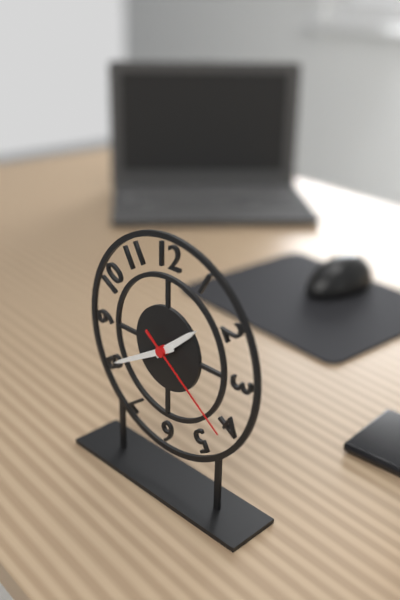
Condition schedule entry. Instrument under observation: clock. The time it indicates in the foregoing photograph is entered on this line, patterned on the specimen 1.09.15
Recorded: 1.40.21
